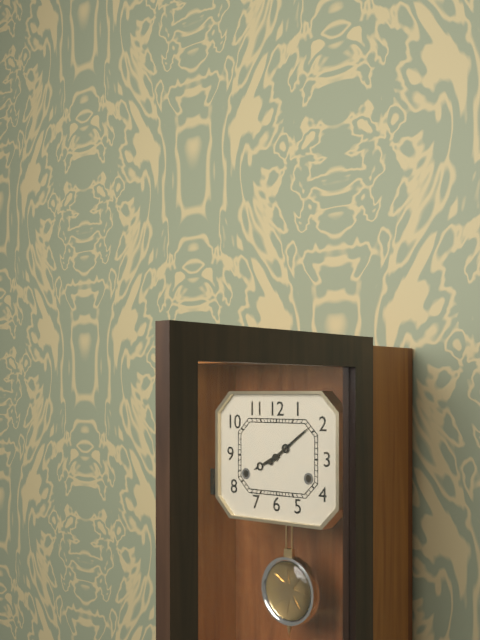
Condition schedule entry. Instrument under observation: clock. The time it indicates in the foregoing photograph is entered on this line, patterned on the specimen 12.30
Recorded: 8.09
